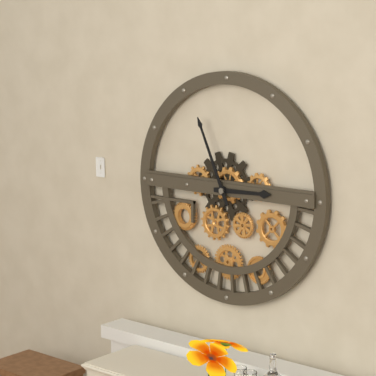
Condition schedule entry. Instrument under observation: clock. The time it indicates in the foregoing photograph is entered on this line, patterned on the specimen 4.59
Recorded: 2.56
